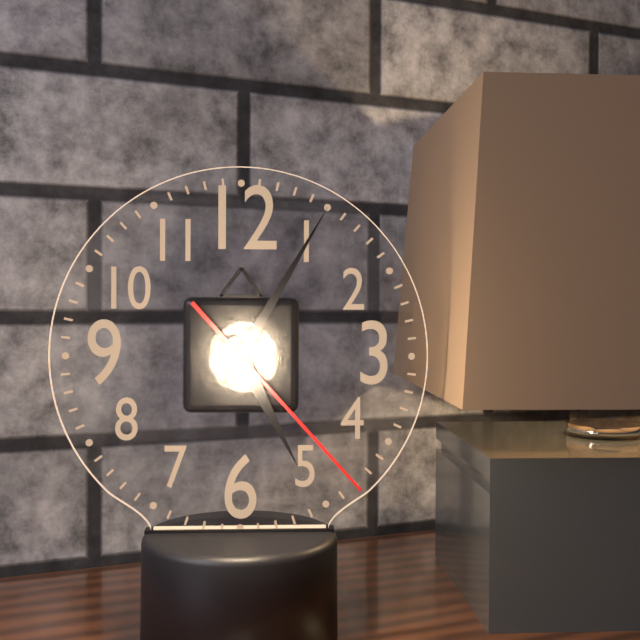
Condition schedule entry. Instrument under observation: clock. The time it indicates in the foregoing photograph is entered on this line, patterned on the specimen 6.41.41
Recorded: 5.05.23
